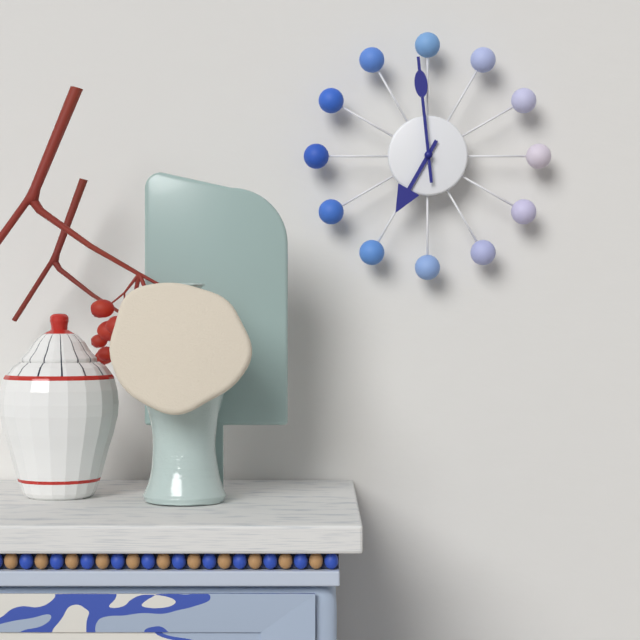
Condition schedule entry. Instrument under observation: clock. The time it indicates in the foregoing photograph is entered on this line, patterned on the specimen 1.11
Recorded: 6.59
